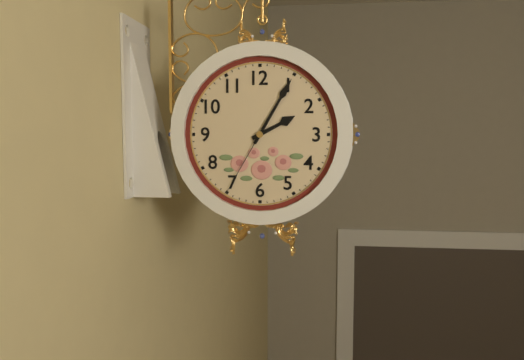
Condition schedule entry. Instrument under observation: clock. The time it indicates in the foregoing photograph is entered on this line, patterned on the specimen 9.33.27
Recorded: 2.05.35
